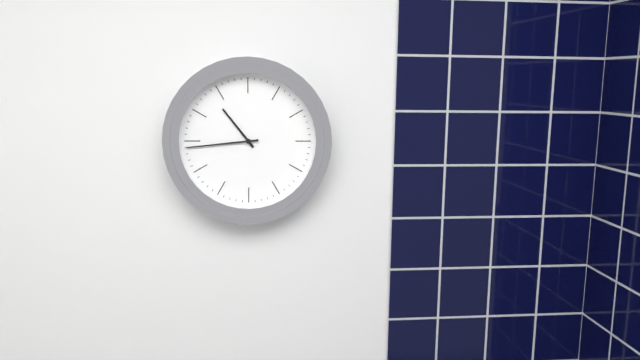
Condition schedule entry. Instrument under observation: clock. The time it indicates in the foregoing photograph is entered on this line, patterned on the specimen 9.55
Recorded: 10.44
